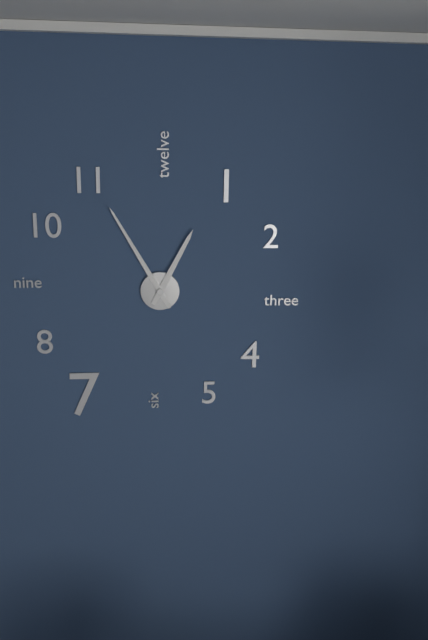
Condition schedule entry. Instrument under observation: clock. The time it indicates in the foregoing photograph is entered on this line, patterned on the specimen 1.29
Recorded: 12.55
